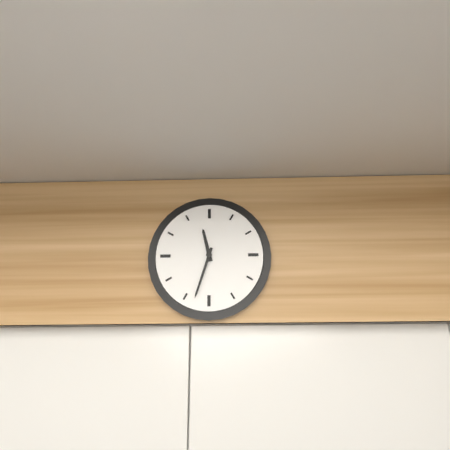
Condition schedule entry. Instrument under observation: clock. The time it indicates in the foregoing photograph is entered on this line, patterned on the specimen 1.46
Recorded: 11.33
